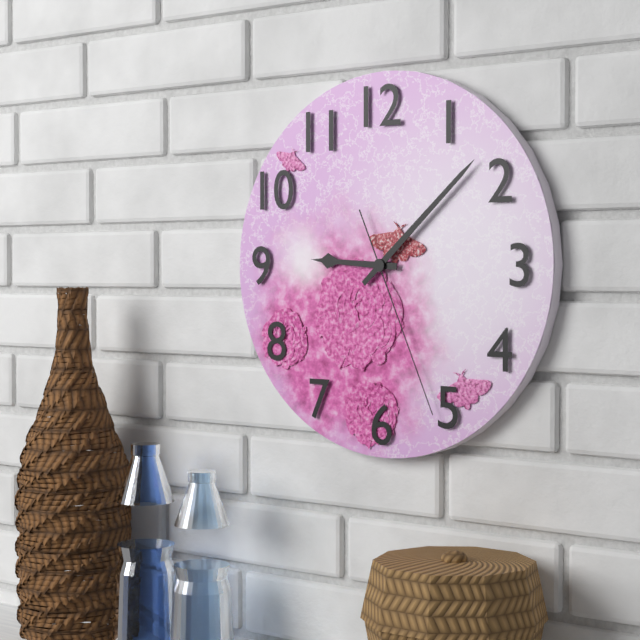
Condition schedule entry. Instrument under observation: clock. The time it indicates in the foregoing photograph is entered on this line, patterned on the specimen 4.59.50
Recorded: 9.08.26
